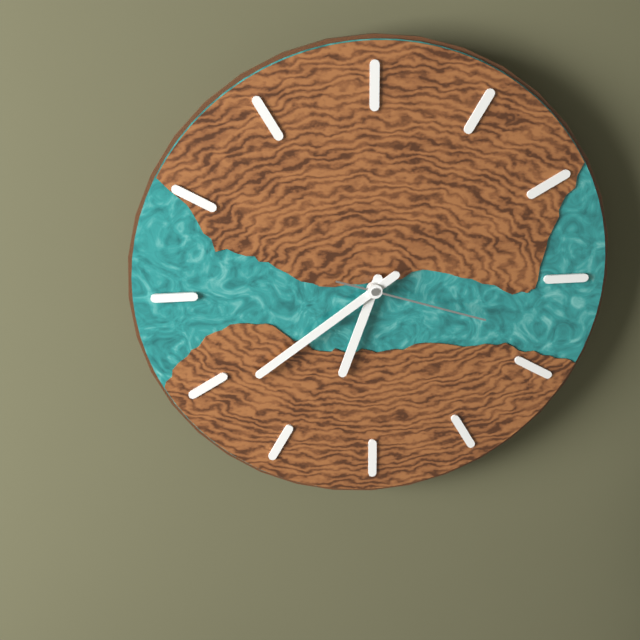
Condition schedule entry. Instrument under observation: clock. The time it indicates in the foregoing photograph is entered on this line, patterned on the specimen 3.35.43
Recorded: 6.39.18
